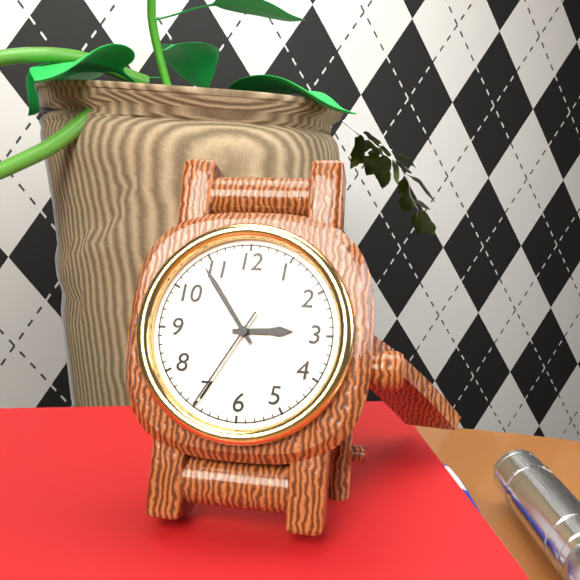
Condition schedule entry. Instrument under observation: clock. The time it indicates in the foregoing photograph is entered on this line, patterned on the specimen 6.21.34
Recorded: 2.54.35
